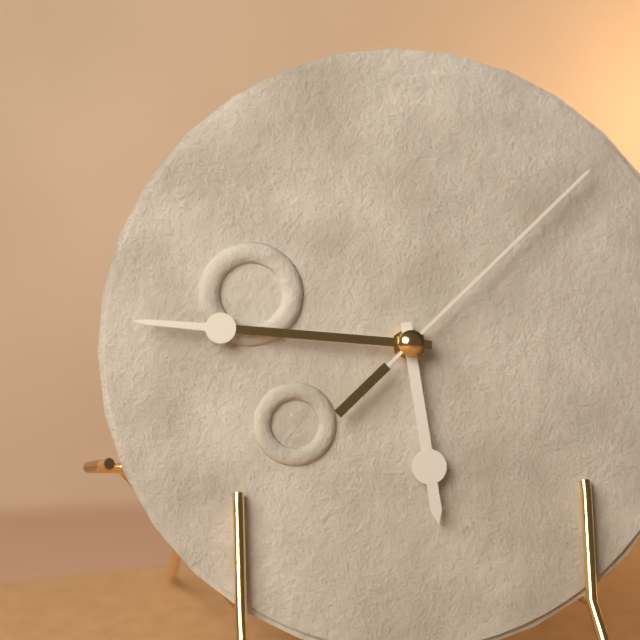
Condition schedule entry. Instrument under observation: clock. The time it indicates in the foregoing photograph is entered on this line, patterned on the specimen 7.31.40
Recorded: 5.46.08
